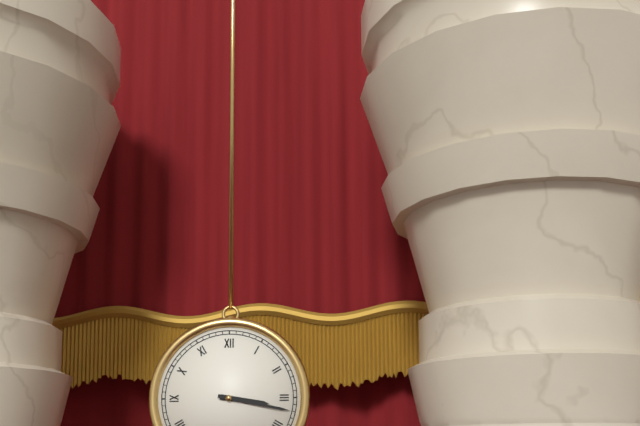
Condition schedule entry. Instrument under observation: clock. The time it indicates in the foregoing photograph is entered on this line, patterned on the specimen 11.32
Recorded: 3.17
